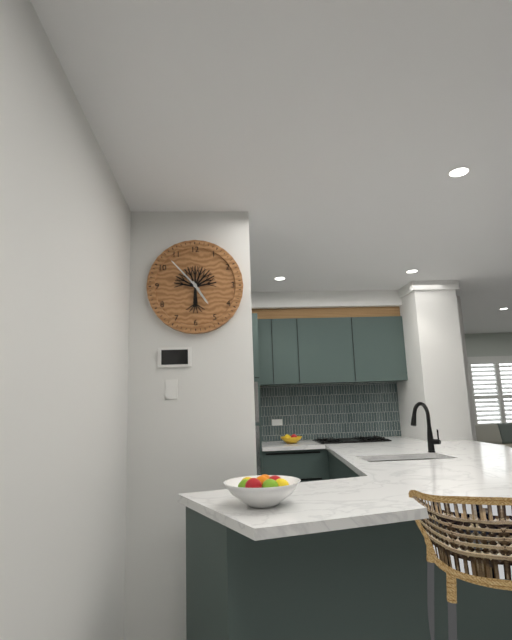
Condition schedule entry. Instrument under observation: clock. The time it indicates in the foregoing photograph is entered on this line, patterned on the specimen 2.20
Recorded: 4.53
